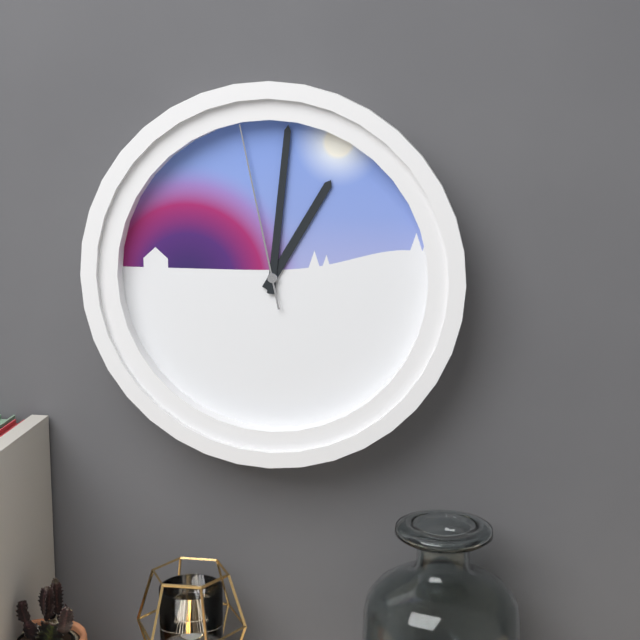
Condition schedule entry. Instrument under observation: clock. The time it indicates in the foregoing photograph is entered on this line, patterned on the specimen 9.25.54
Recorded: 1.01.58
